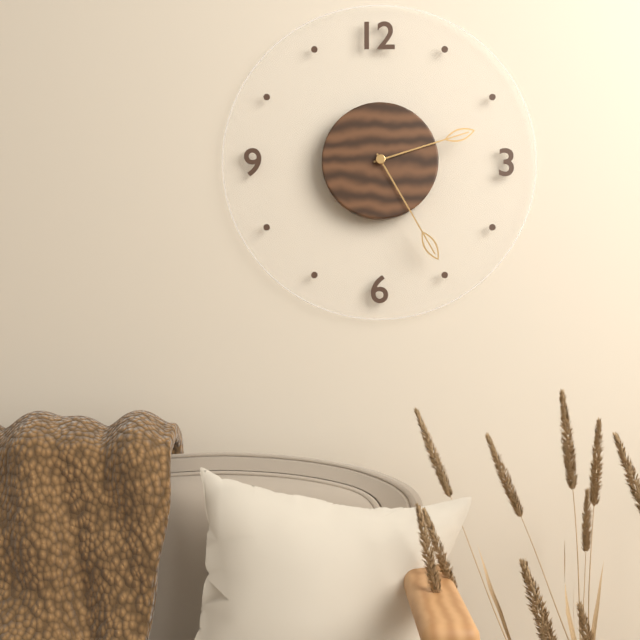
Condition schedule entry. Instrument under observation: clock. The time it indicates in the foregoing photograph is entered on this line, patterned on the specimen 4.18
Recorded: 2.25
